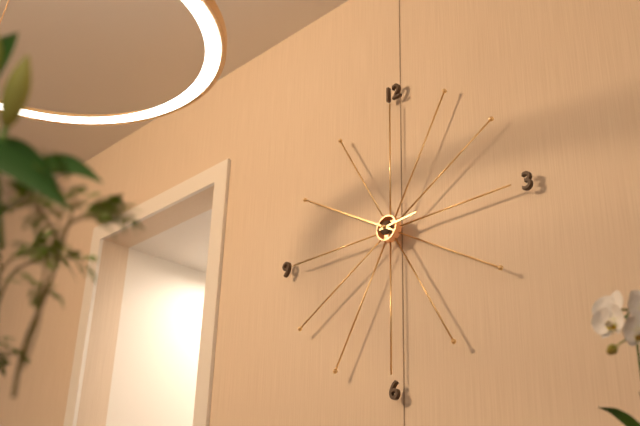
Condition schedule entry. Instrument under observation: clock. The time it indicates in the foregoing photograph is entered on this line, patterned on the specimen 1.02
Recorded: 2.50
